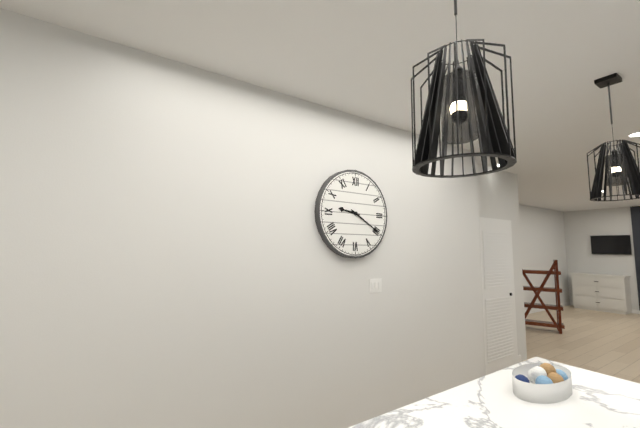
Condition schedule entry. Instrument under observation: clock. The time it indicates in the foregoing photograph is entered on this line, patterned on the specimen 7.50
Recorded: 9.20
